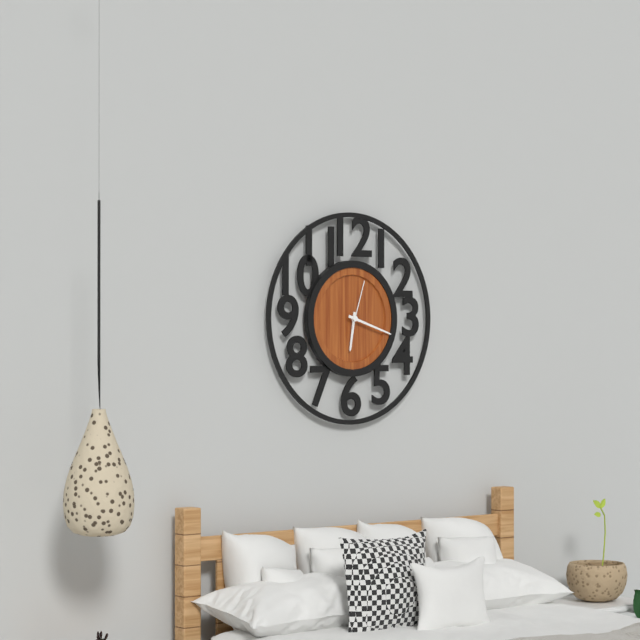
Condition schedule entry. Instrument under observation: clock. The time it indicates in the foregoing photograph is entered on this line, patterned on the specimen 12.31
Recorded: 6.18
